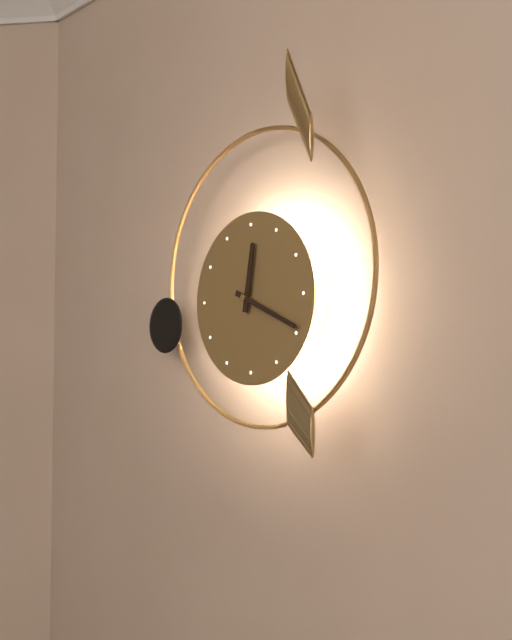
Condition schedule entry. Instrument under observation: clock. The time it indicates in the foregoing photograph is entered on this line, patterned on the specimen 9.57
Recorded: 12.19
